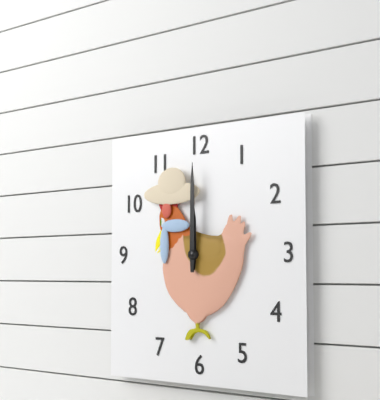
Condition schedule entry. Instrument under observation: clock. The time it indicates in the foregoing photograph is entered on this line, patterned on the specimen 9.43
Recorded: 12.00
